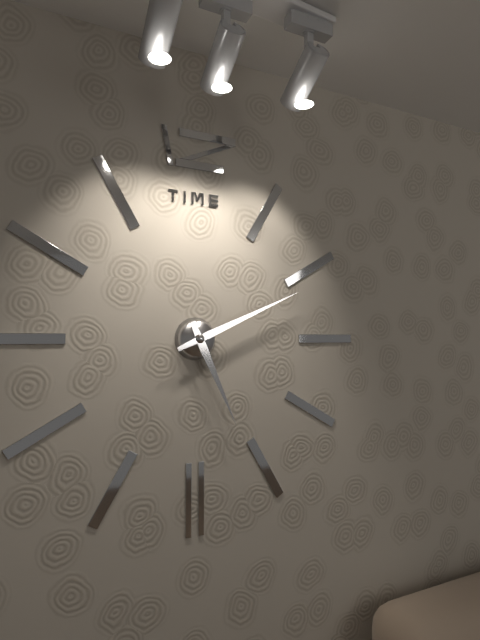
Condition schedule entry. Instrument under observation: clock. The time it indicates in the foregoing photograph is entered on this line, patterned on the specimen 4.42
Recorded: 5.11
